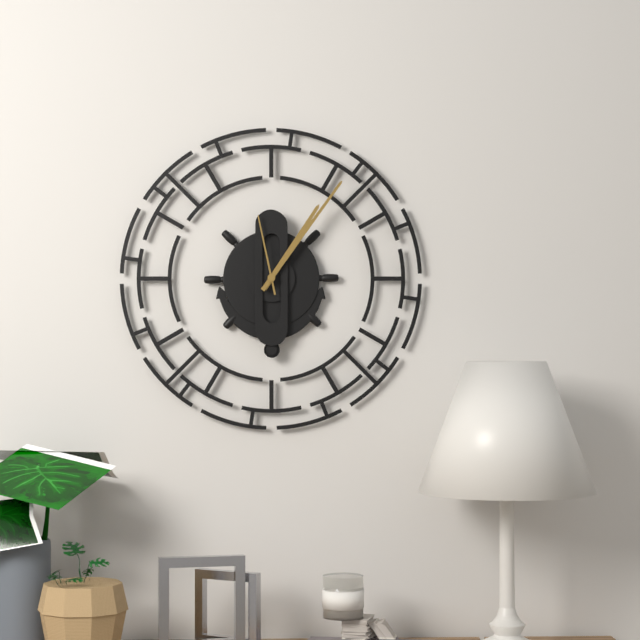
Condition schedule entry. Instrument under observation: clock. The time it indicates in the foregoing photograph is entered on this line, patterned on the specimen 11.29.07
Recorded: 1.06.58
